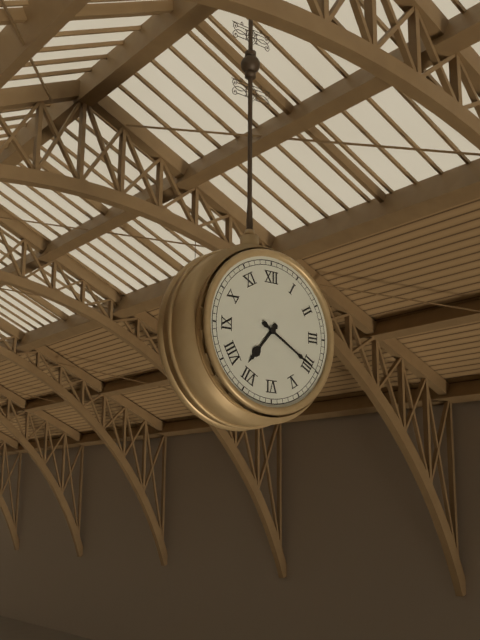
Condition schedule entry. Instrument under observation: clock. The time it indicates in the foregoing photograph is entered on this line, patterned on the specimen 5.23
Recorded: 7.20
